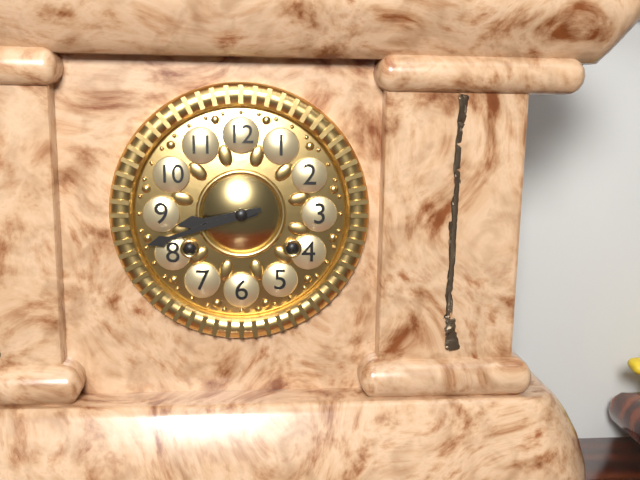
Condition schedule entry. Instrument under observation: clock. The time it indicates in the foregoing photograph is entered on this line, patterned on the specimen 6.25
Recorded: 8.42
